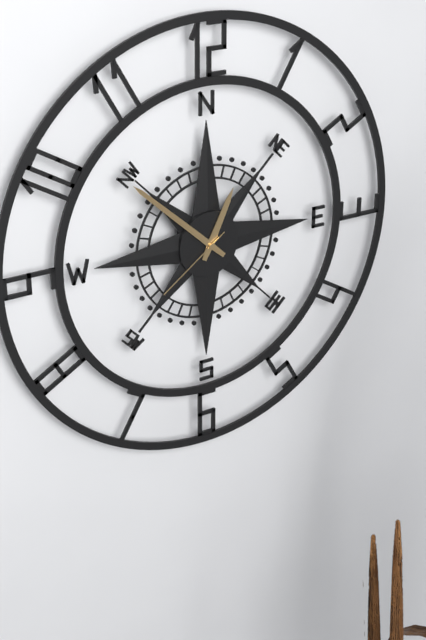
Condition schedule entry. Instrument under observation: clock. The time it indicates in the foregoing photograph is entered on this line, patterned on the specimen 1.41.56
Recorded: 12.52.39
